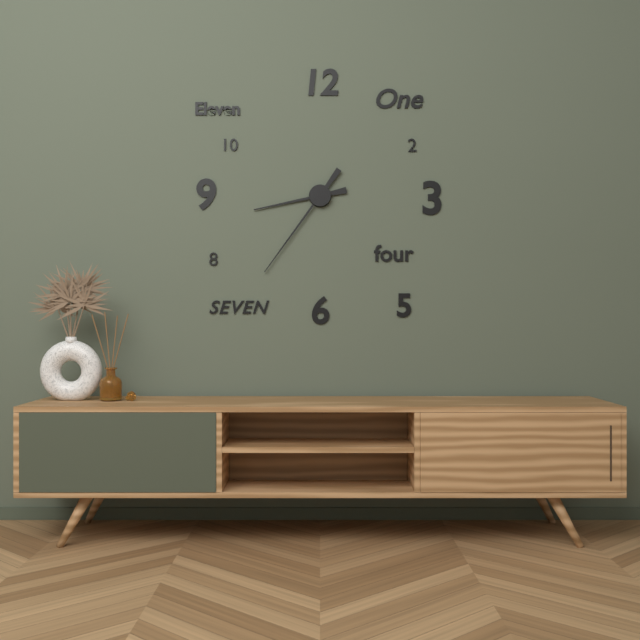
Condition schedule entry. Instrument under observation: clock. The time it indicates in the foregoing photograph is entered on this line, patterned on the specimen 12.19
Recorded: 8.36
